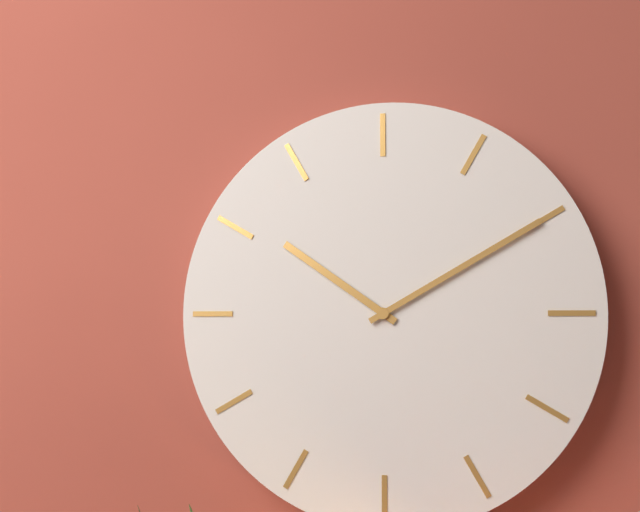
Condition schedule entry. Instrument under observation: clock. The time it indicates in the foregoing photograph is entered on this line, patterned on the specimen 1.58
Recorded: 10.10
